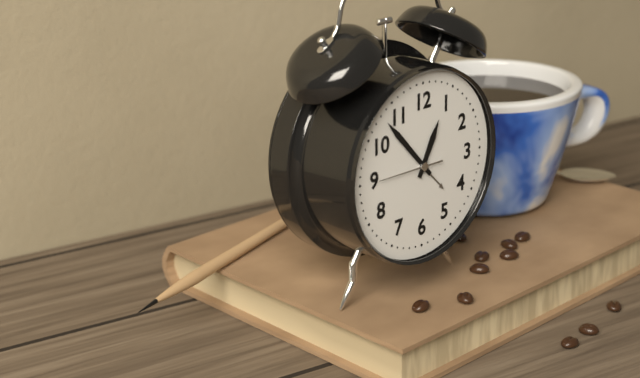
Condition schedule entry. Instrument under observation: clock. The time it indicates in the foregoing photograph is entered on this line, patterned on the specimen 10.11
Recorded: 12.53
